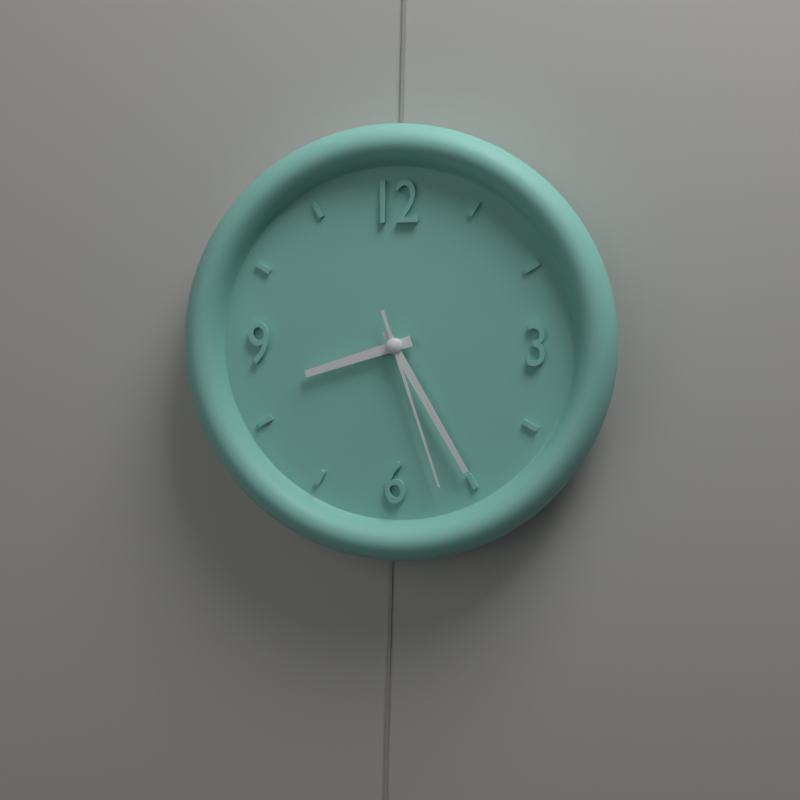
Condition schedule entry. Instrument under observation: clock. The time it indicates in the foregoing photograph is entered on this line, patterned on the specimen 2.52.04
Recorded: 8.25.27
